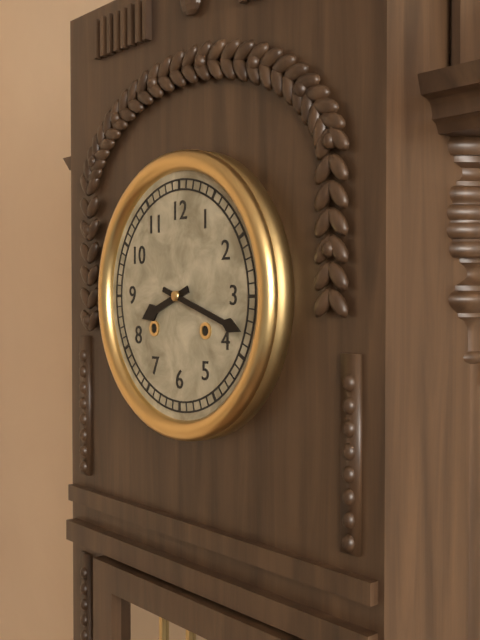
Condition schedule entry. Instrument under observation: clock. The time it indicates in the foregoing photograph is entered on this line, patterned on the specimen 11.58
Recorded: 8.18
